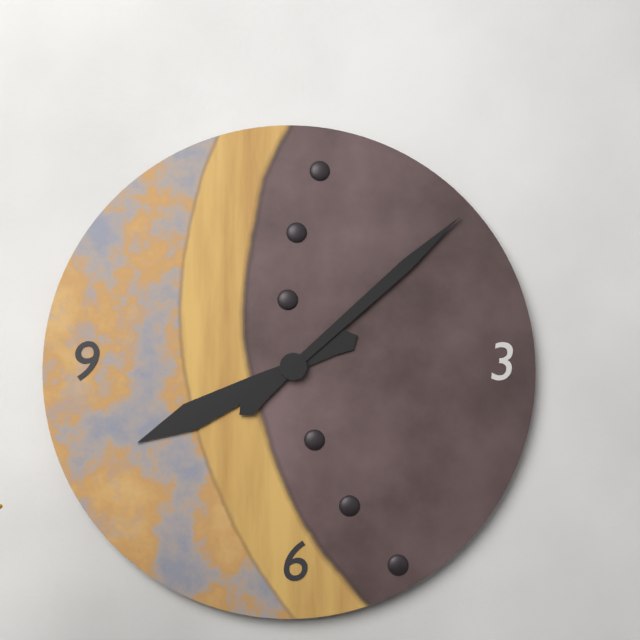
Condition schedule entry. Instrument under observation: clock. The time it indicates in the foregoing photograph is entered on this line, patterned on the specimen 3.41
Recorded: 8.08
